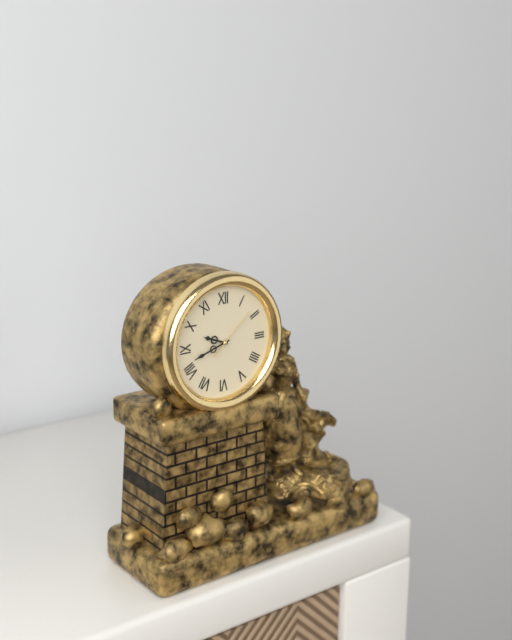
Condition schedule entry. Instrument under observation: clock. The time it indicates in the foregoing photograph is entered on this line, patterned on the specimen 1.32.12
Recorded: 9.42.08
